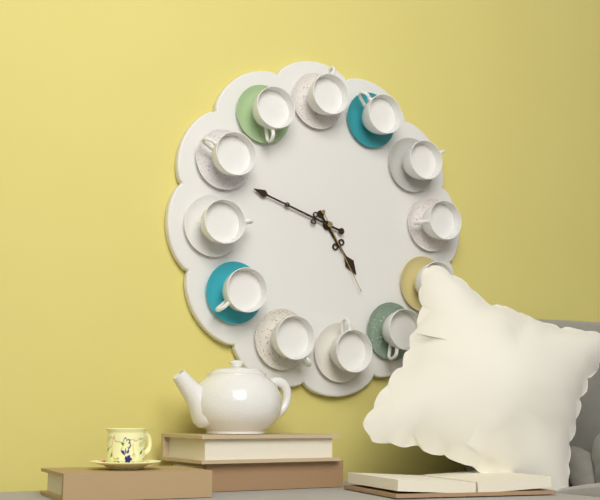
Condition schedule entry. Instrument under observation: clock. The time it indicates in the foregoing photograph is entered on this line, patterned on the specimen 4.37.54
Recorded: 4.48.25
